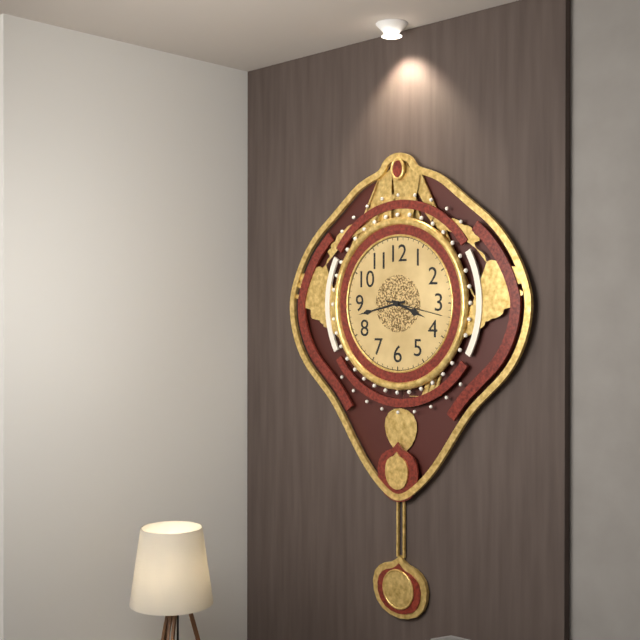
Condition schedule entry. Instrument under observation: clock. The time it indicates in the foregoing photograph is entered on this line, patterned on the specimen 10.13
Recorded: 3.43
